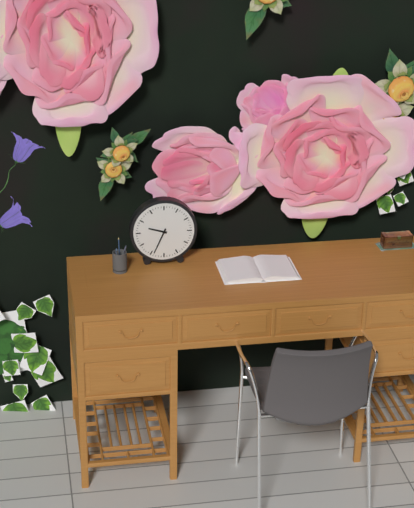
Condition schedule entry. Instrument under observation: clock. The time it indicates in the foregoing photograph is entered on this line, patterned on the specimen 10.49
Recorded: 9.34
